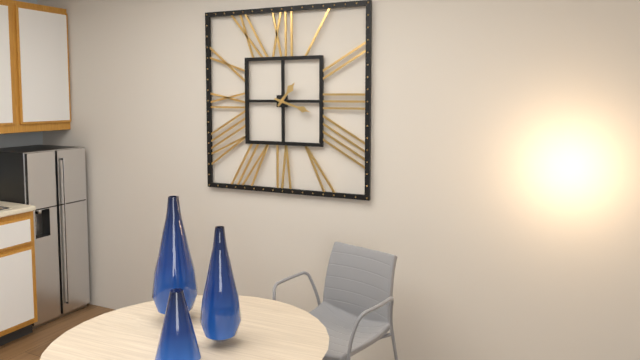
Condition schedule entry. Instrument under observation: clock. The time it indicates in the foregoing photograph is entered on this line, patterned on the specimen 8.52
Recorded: 1.18
